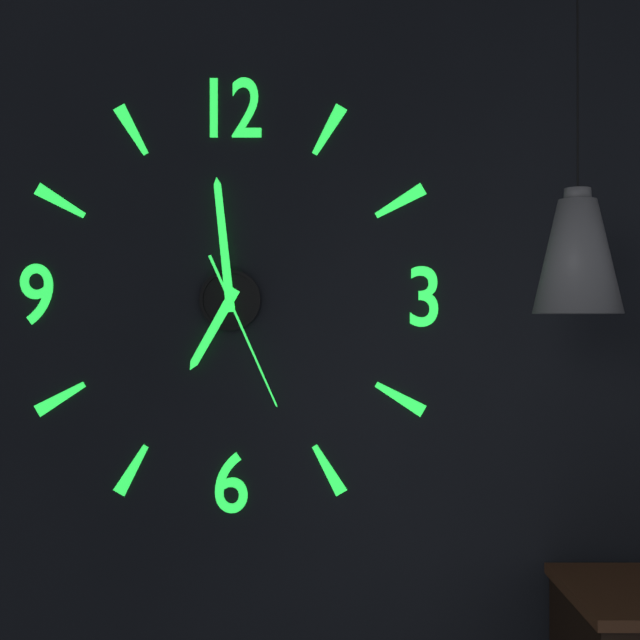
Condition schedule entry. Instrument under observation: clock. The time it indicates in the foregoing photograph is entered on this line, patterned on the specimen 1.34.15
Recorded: 6.59.26
